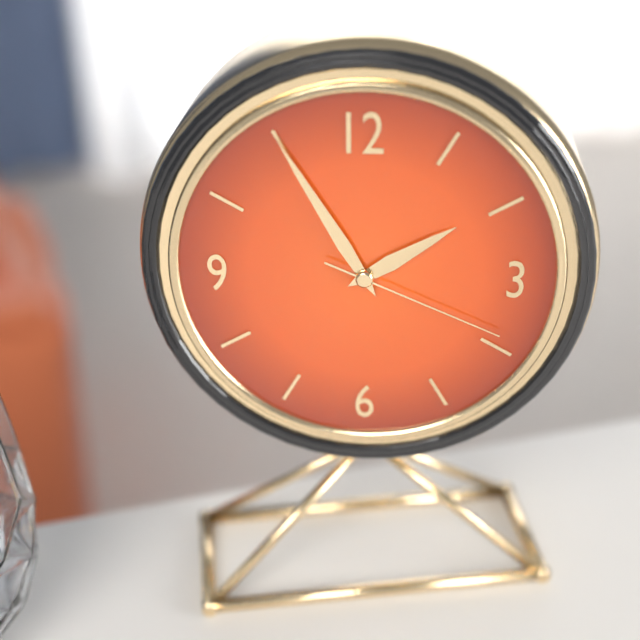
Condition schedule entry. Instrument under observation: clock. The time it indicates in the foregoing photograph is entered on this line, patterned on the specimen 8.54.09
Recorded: 1.55.19
